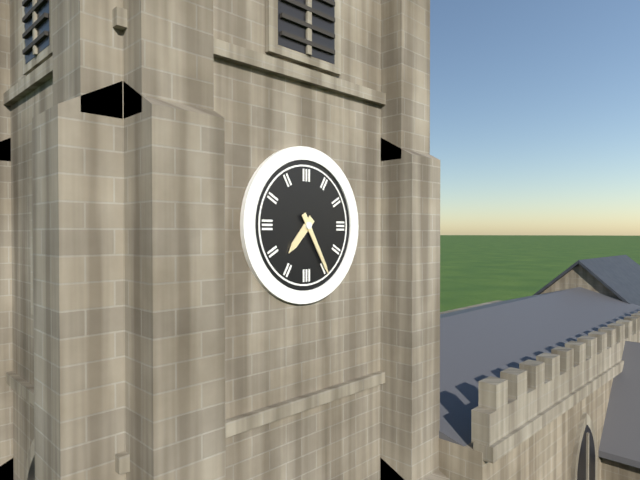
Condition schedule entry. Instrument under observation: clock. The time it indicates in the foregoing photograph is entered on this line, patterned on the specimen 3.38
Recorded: 7.25
